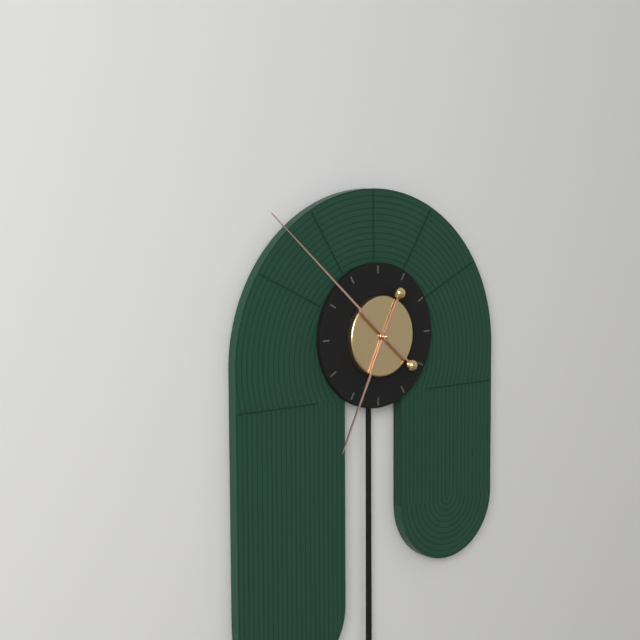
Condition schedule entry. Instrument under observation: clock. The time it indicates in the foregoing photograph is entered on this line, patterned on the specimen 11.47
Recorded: 6.52
